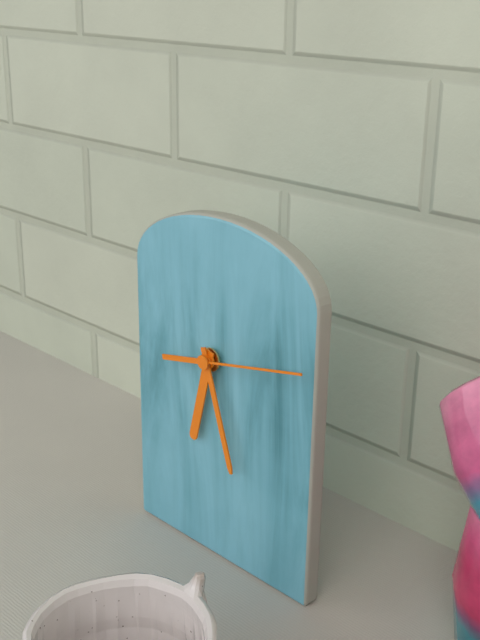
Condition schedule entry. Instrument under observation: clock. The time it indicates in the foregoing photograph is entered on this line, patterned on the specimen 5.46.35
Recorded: 6.27.13
